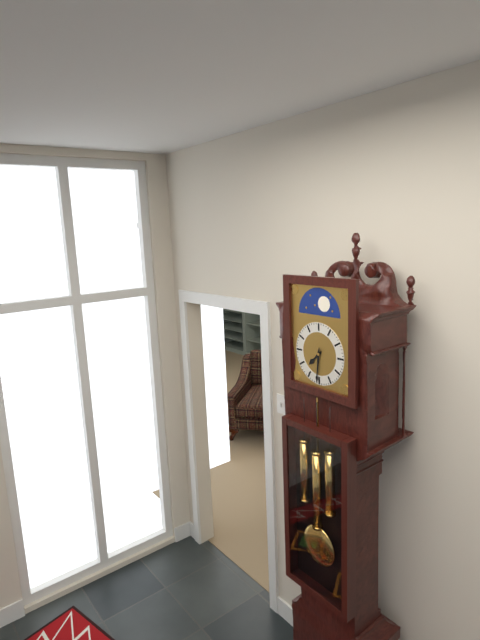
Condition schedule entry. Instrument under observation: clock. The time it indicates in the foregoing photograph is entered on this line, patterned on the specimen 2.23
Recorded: 7.31
